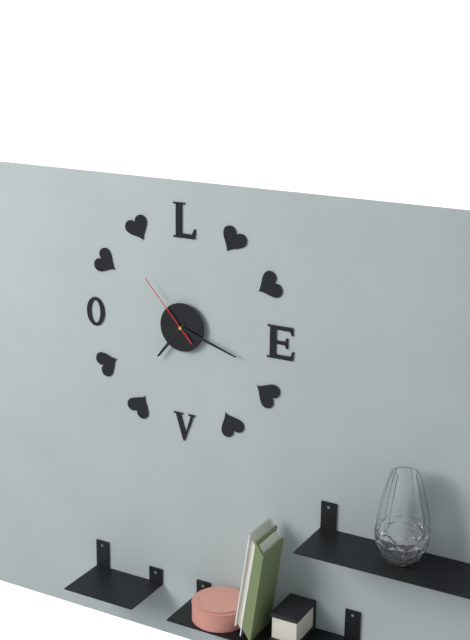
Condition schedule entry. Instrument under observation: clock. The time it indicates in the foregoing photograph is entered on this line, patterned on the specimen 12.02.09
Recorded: 7.18.53
